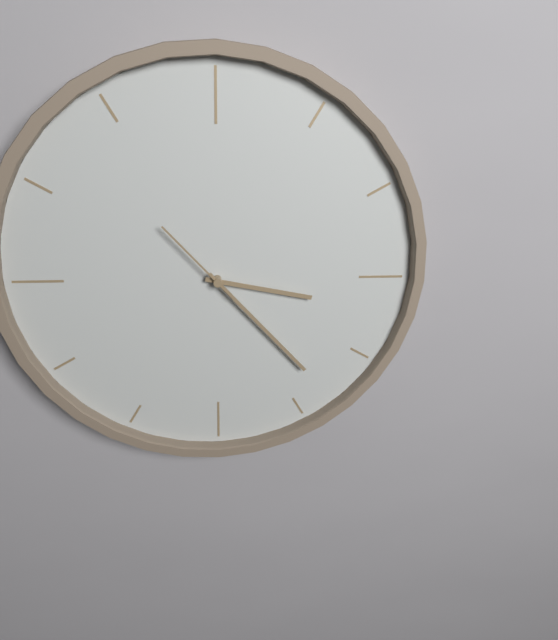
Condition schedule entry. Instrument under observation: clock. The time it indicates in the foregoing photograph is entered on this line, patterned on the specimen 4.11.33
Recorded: 3.23.53
